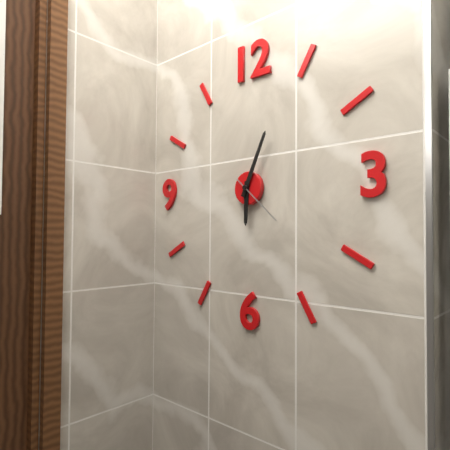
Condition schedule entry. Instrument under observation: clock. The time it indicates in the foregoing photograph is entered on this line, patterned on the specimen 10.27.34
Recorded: 6.04.22
